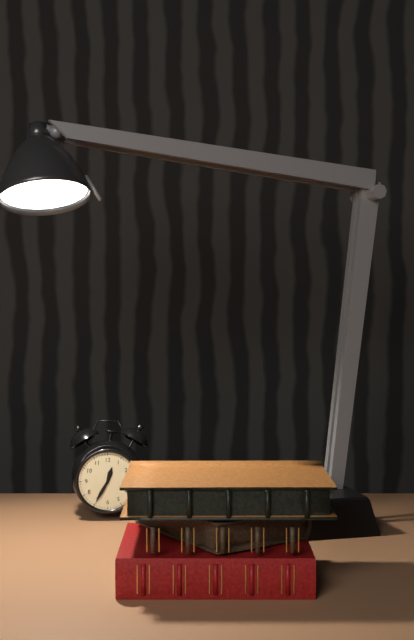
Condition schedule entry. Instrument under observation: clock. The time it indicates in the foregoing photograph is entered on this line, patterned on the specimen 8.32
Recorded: 12.35
